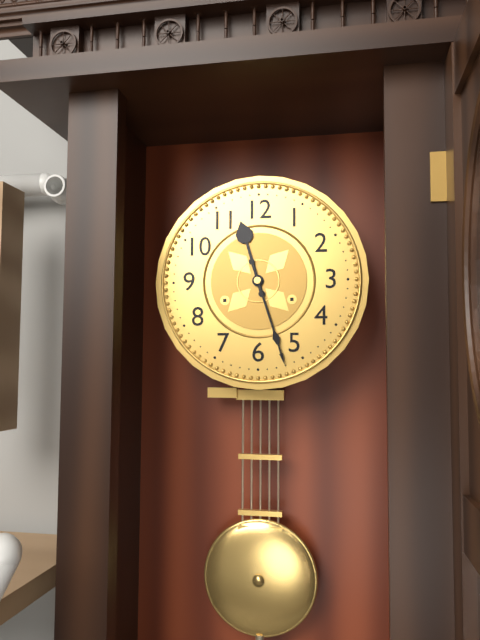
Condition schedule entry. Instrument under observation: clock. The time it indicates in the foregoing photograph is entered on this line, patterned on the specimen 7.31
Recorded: 11.27
